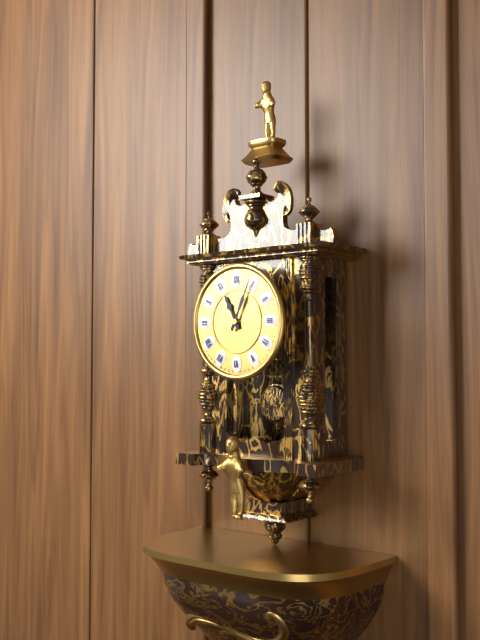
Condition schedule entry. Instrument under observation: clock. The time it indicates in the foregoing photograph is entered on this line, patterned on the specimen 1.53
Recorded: 11.04
